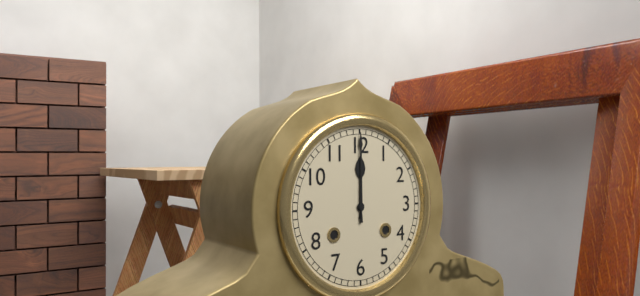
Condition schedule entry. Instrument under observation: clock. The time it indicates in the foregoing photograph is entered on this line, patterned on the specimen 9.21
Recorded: 12.00
